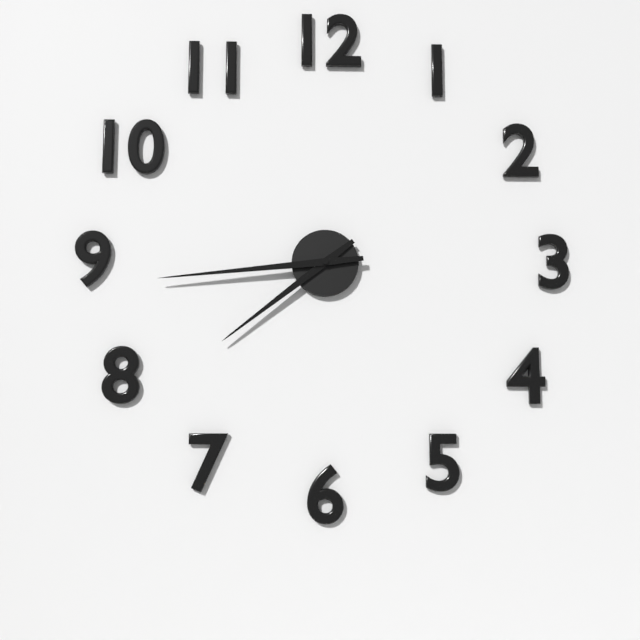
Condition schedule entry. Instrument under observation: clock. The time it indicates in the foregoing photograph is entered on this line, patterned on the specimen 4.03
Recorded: 7.44
